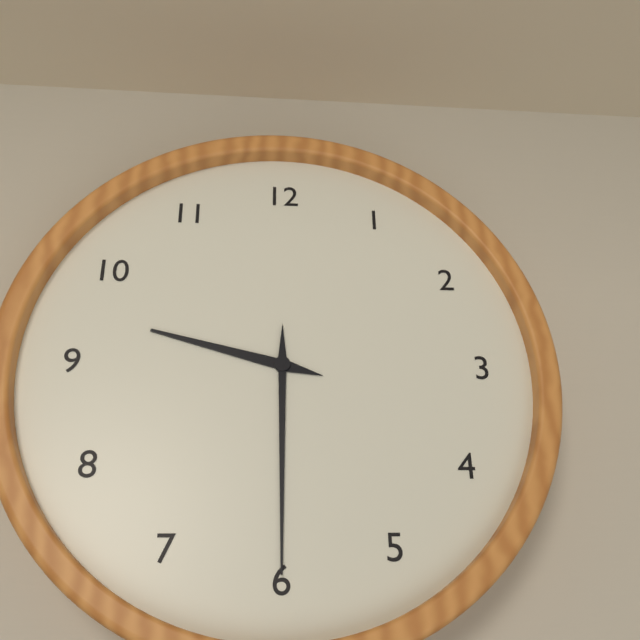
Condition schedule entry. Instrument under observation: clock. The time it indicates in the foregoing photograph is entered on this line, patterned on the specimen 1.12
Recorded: 9.30
